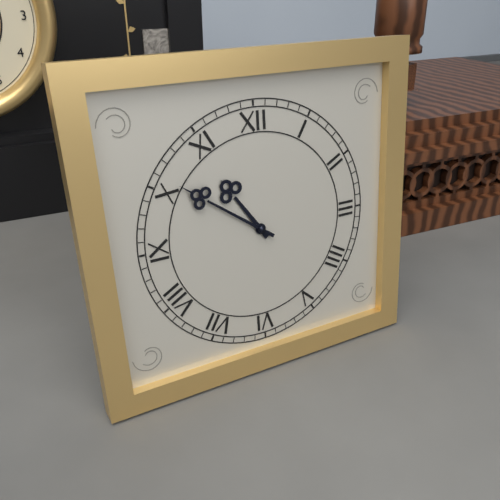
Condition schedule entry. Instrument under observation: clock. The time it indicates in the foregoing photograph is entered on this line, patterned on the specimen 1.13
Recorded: 10.51
